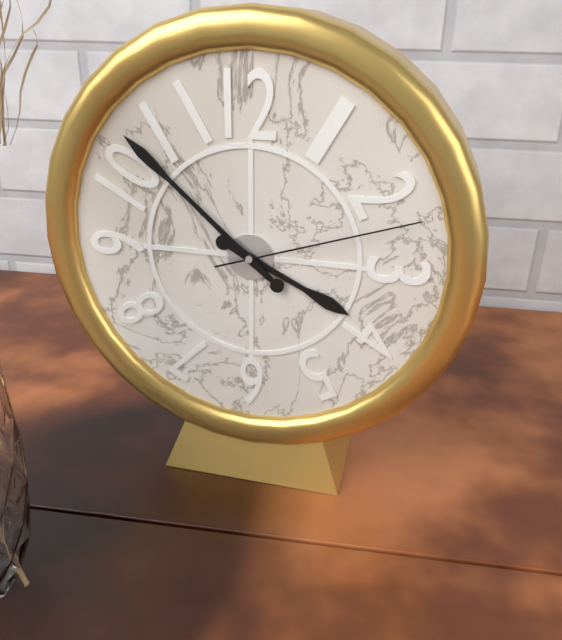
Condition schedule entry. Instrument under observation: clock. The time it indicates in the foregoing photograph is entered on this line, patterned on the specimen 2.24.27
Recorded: 3.52.12
